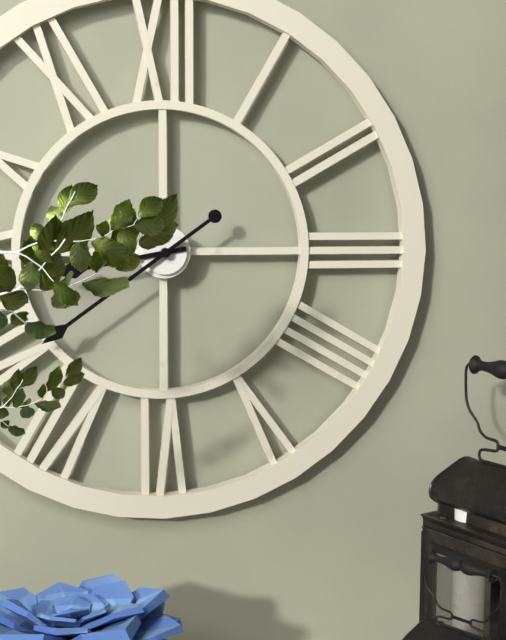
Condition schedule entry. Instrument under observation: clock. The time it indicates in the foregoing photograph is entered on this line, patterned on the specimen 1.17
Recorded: 8.39
